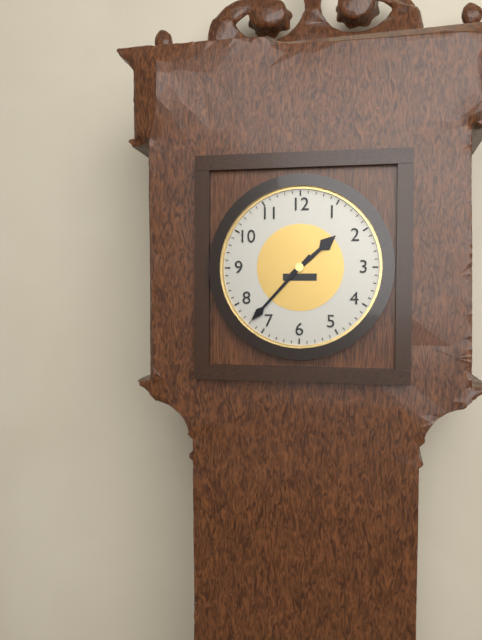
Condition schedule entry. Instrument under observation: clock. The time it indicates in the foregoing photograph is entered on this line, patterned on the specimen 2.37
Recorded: 1.37
